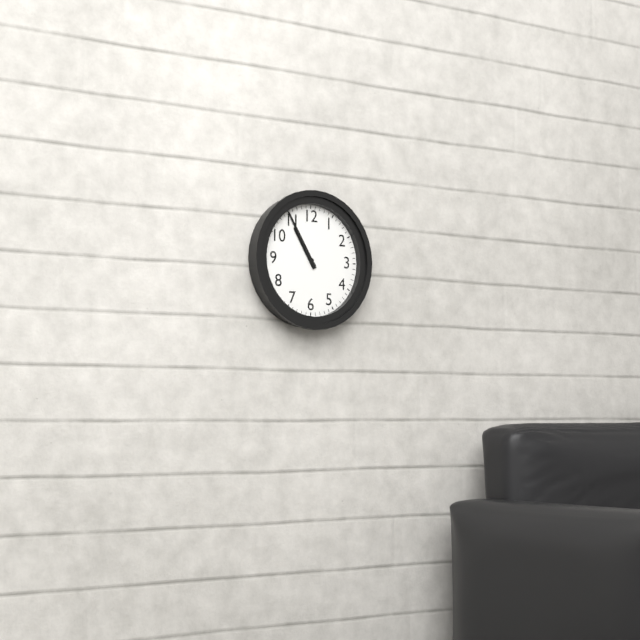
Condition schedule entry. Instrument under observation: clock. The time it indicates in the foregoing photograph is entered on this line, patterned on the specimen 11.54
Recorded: 10.55
